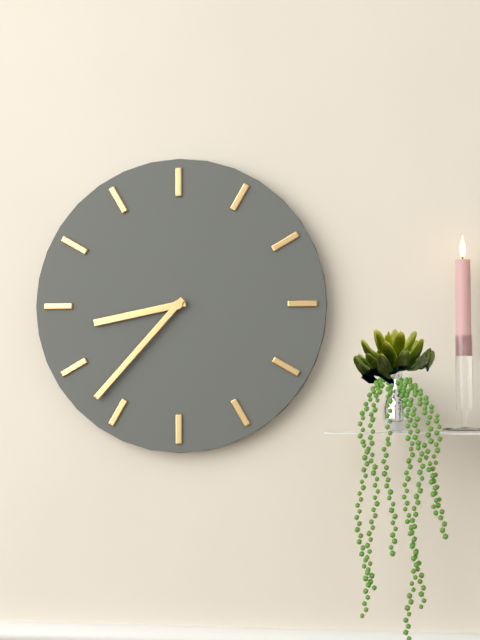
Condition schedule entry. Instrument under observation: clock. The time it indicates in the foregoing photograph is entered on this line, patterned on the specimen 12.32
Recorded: 8.37
